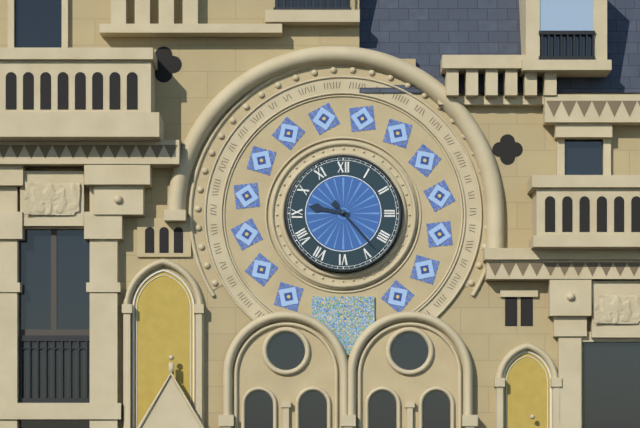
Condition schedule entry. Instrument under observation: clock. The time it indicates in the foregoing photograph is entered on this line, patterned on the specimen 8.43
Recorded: 9.23
